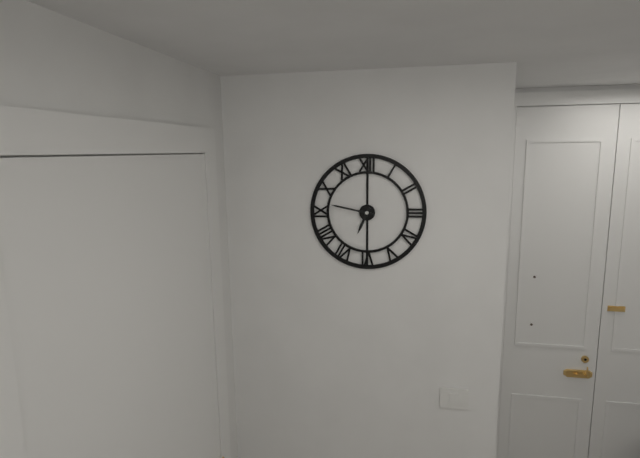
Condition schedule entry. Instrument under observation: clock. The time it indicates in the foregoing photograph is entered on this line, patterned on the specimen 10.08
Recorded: 6.47
